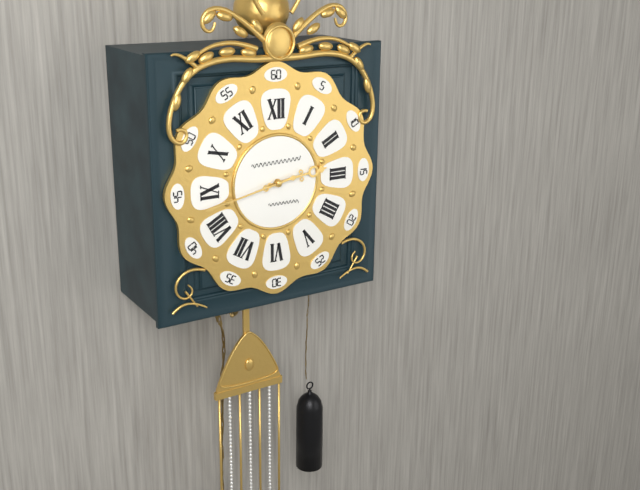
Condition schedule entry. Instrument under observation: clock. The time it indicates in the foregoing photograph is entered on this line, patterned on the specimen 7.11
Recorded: 2.43
